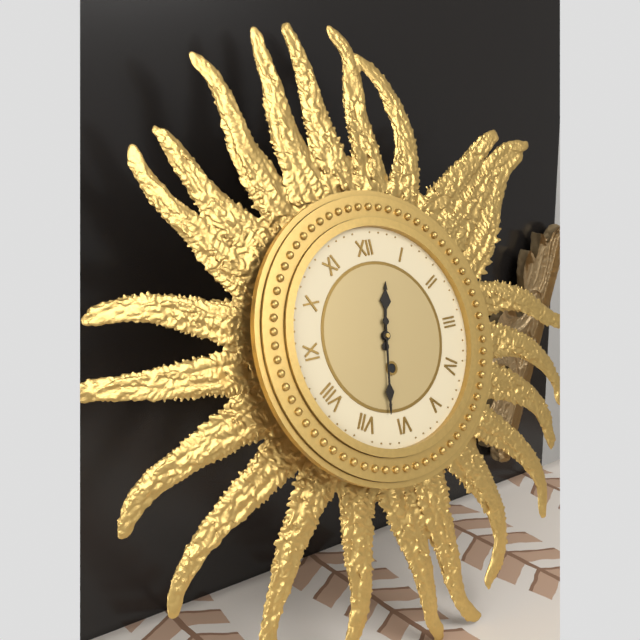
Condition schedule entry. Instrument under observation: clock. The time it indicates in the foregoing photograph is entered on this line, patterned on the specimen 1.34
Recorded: 12.32
